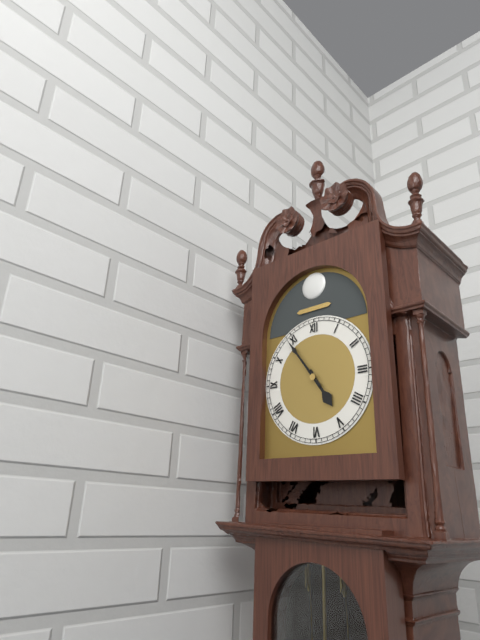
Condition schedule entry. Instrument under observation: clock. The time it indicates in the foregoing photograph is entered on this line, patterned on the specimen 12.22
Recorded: 4.54
